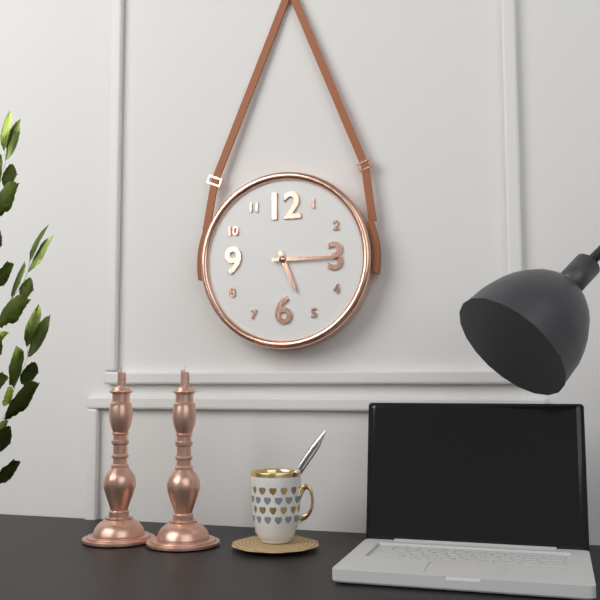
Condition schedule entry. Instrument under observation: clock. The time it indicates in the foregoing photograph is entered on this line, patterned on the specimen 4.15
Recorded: 5.15
